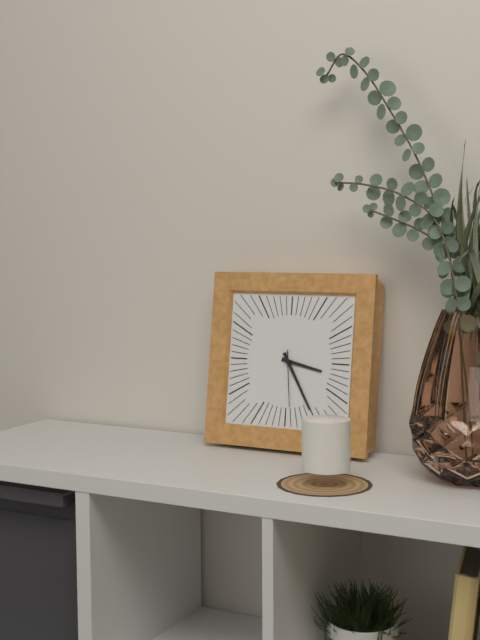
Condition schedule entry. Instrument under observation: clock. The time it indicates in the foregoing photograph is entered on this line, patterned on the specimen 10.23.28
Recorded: 3.25.29
